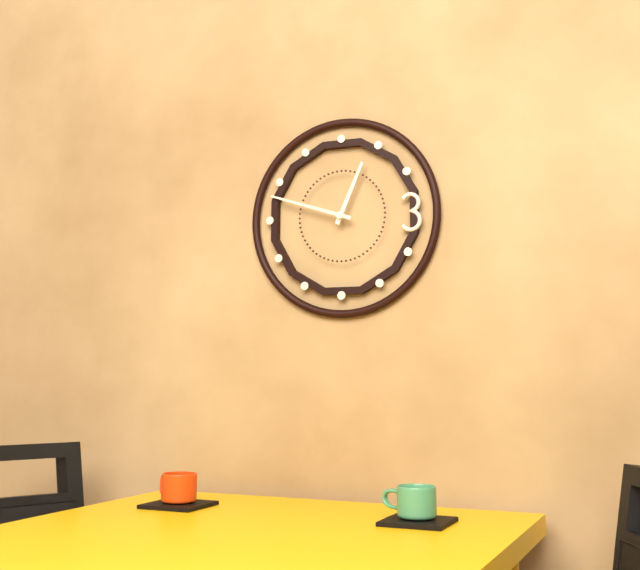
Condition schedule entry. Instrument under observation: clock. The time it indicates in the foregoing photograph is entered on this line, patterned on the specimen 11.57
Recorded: 12.48
